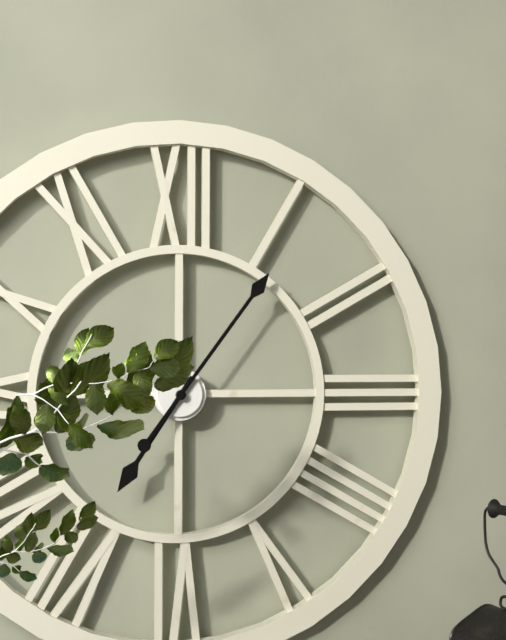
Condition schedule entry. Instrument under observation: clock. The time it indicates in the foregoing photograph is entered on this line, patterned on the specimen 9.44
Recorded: 7.06
